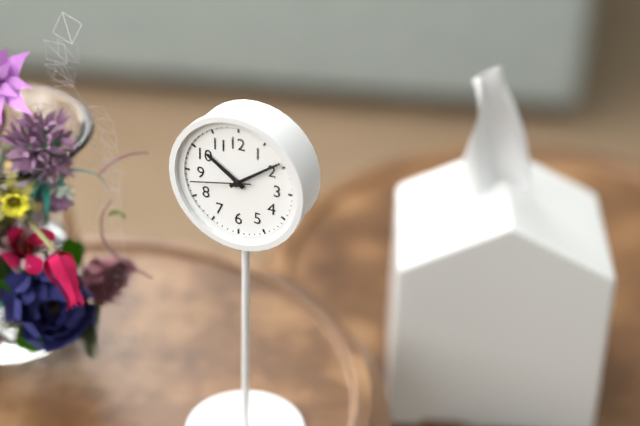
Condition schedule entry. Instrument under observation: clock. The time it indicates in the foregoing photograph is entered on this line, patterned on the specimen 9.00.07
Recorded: 10.09.43
